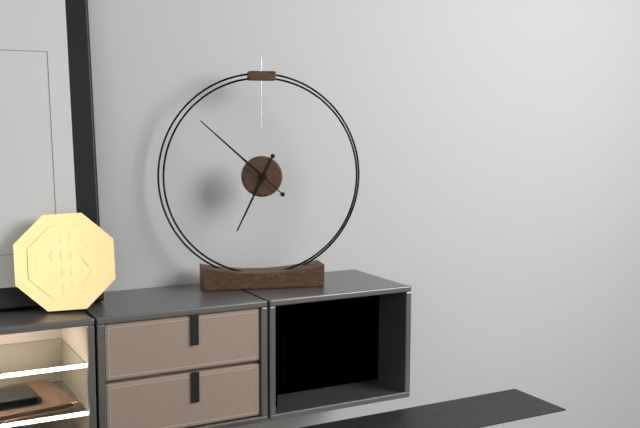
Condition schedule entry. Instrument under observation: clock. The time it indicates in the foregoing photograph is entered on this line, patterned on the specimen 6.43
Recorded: 6.52
